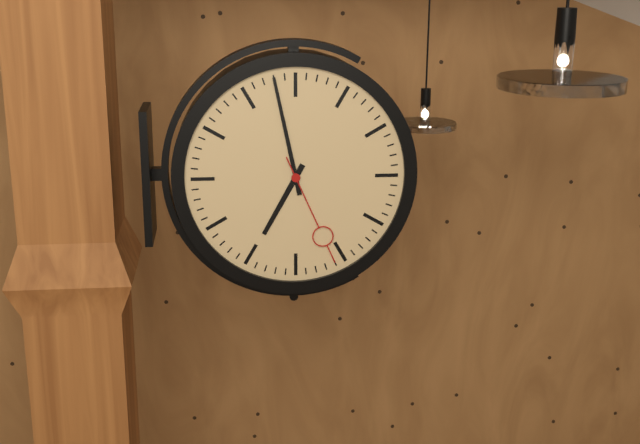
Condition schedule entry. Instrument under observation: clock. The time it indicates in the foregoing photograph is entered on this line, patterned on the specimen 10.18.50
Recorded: 6.58.26
